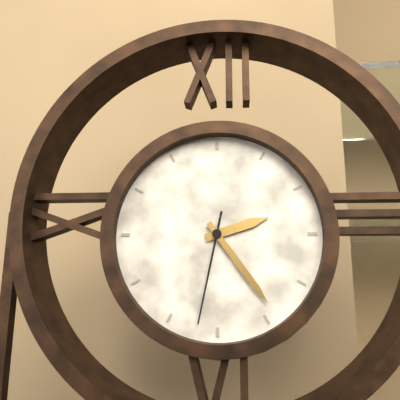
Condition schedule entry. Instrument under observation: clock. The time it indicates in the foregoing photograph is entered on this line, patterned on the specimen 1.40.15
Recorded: 2.24.32
